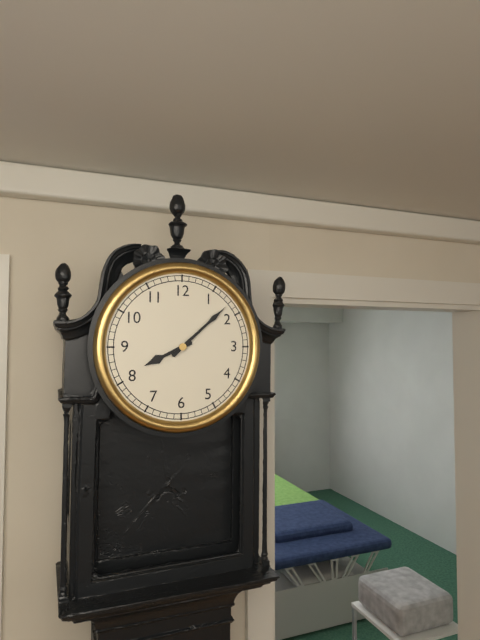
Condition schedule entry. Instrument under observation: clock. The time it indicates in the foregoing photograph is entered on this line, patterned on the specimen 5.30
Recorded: 8.08
